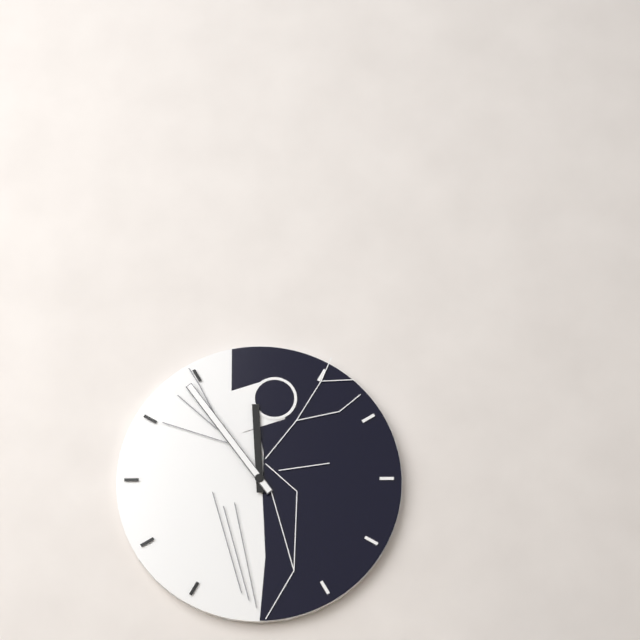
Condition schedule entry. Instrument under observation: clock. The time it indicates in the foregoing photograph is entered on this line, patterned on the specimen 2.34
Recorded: 11.54
